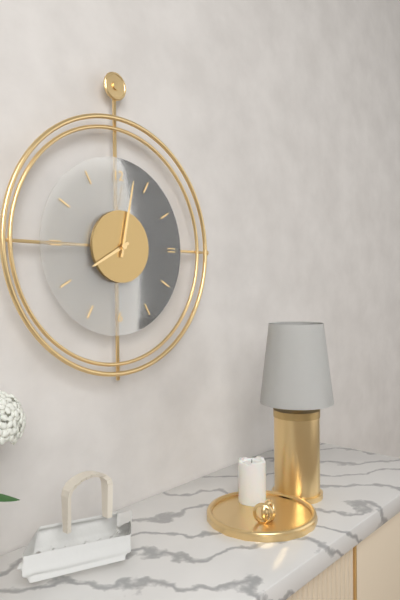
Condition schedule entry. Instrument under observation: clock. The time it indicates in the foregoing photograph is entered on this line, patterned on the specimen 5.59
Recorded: 8.02
